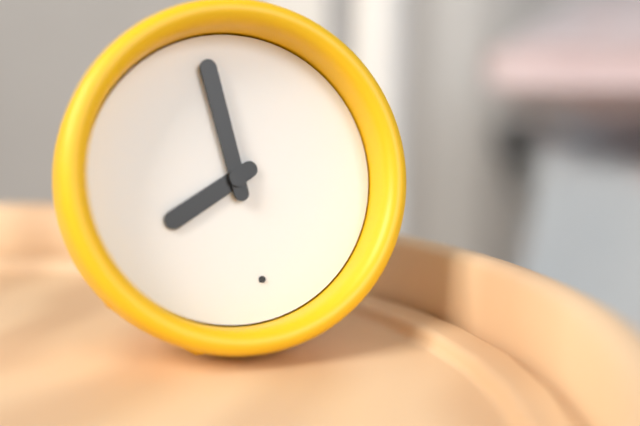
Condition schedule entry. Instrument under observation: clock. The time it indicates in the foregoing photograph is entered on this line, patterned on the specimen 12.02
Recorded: 7.58
